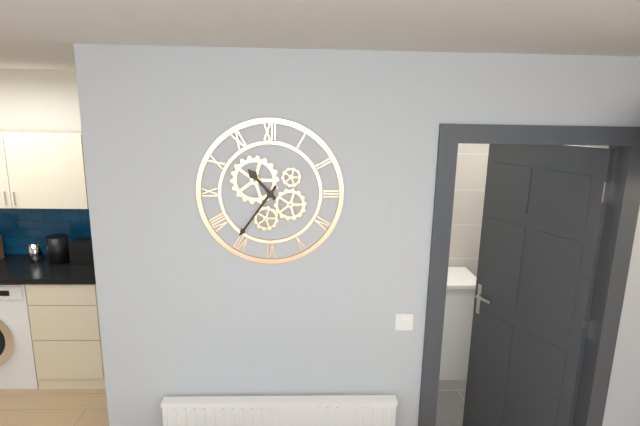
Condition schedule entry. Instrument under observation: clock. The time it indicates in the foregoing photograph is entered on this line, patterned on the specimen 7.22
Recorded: 10.36
